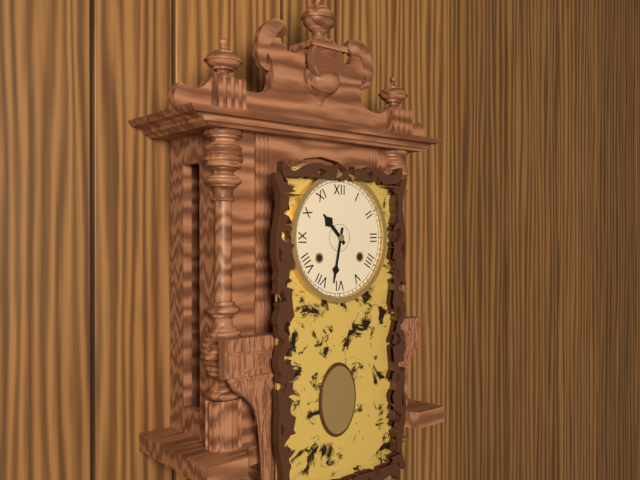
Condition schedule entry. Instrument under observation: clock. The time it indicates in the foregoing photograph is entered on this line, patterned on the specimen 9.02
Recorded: 10.32
